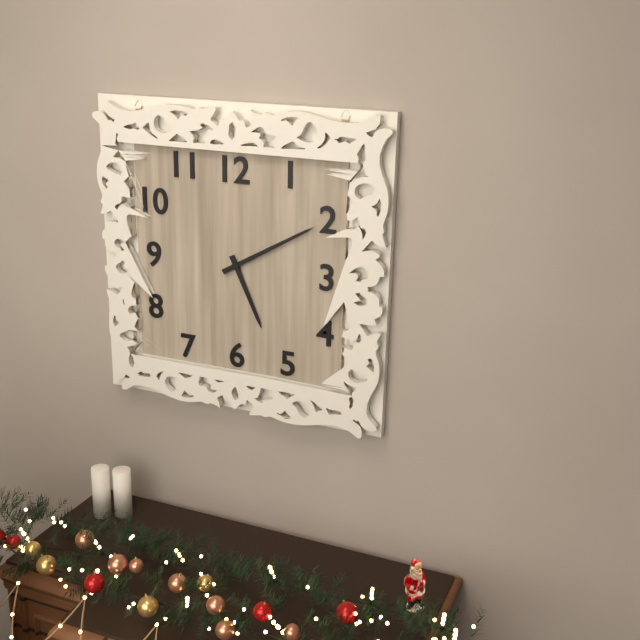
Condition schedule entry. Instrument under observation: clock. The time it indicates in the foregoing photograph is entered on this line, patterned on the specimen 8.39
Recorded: 5.10
